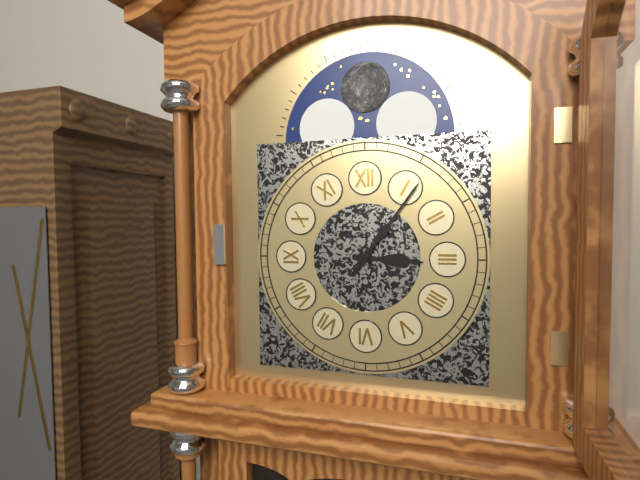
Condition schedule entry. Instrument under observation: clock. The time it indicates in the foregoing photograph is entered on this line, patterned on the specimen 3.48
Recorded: 3.06
